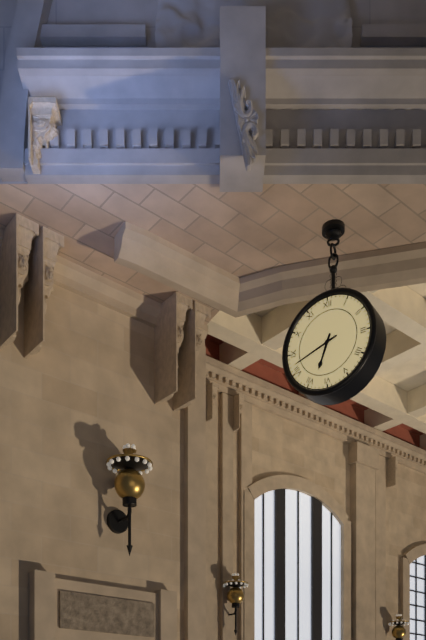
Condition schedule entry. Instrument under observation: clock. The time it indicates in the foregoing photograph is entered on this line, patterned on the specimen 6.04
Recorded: 6.42
